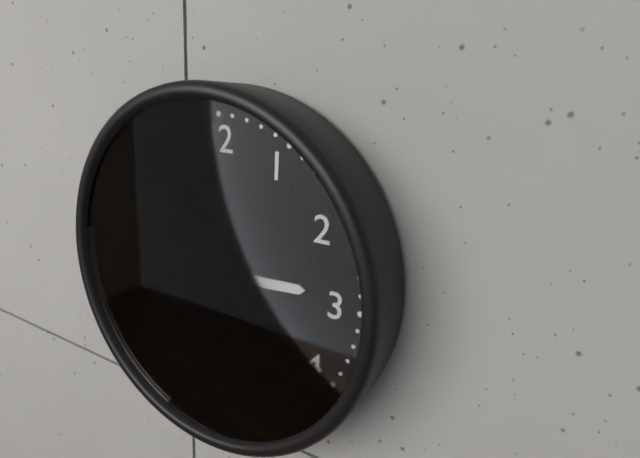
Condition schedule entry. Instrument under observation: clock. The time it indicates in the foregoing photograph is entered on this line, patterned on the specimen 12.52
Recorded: 2.50
